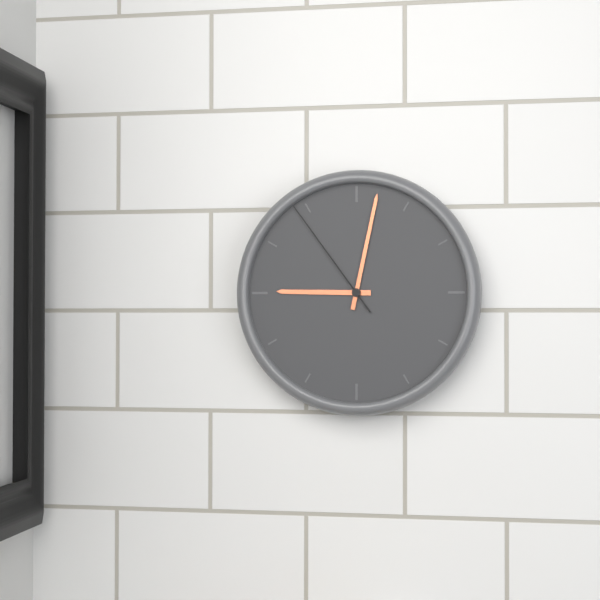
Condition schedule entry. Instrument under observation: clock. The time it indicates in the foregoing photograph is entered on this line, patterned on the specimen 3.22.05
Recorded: 9.02.54
